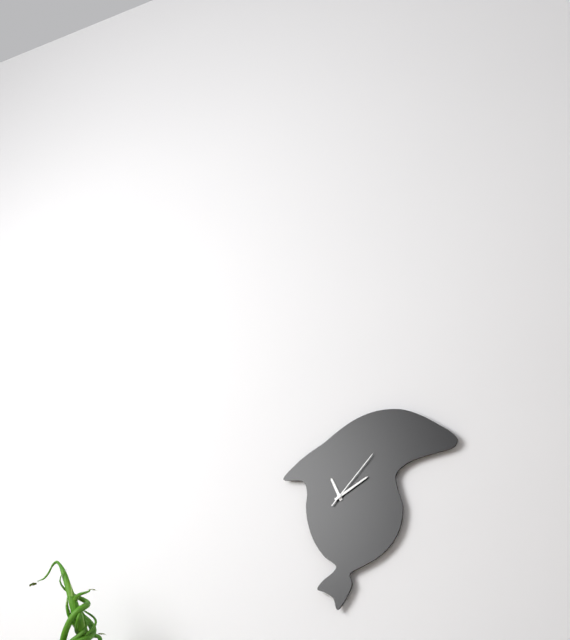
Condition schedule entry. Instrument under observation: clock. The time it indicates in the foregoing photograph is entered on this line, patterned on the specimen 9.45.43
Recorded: 11.10.07
